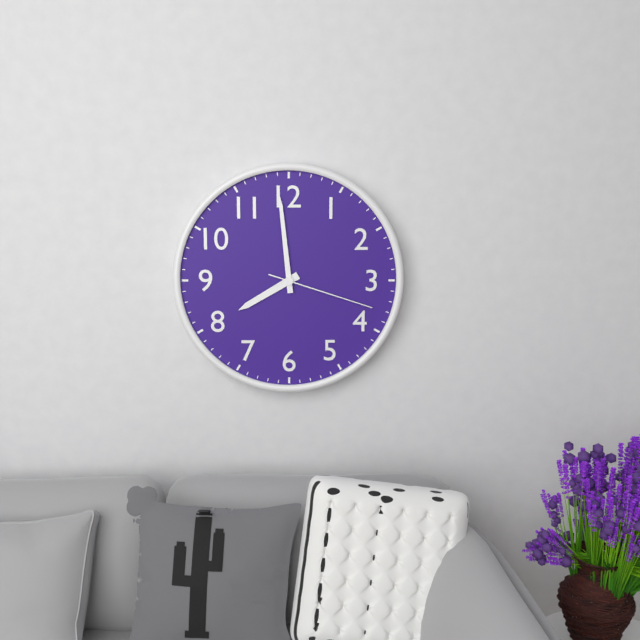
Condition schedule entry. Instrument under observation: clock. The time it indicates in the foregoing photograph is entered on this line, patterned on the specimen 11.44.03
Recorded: 7.59.18
